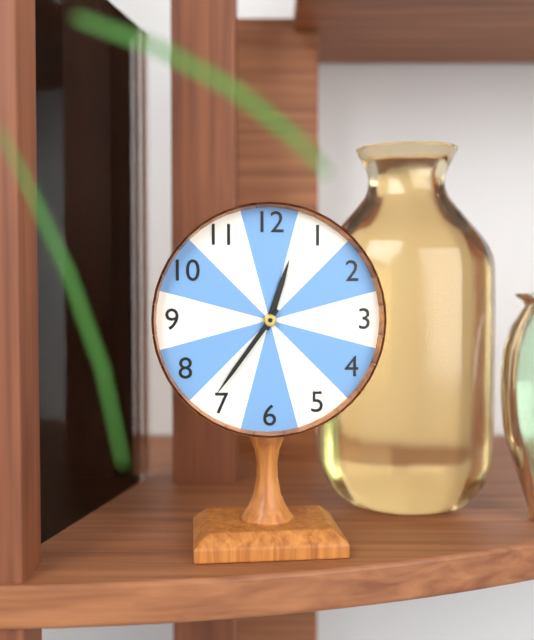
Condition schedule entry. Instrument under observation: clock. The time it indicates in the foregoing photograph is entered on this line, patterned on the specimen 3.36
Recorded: 12.36
